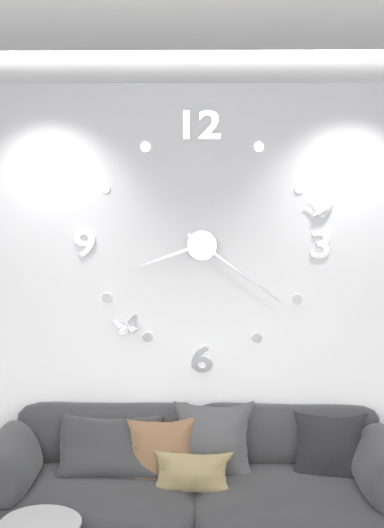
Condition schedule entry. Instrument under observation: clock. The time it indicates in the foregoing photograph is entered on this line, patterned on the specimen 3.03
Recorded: 8.21
